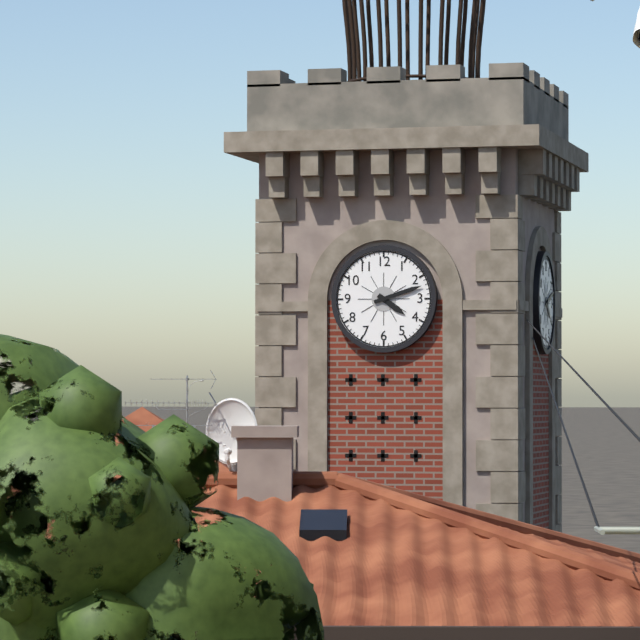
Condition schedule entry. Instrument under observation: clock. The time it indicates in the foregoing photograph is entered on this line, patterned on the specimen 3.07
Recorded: 4.12
